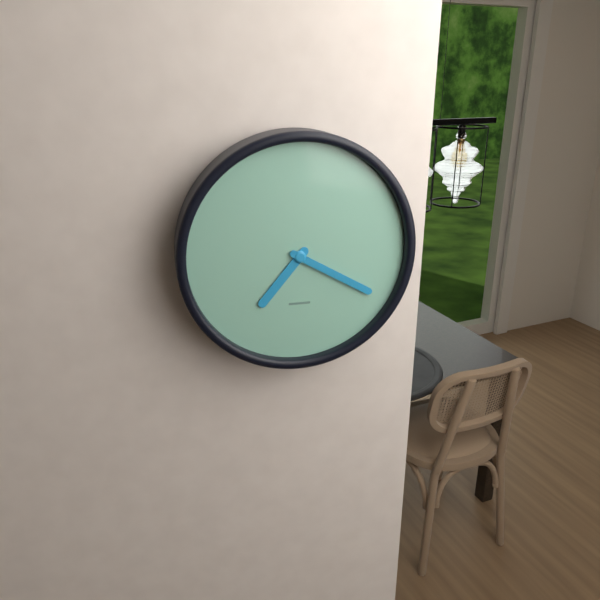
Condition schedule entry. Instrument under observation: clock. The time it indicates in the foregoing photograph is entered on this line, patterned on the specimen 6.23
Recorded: 7.20
